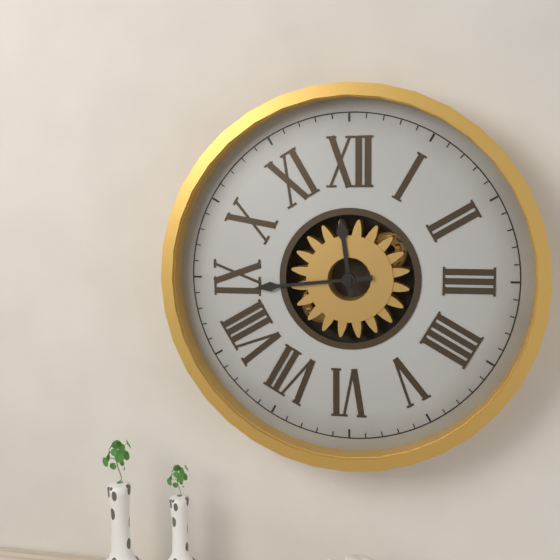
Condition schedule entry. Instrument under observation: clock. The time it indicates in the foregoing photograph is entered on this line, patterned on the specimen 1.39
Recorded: 11.44
